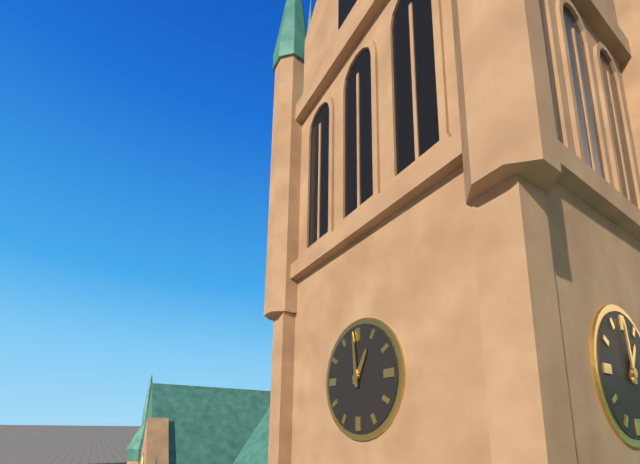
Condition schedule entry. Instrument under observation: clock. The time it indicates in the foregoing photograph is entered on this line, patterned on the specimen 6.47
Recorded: 12.59
